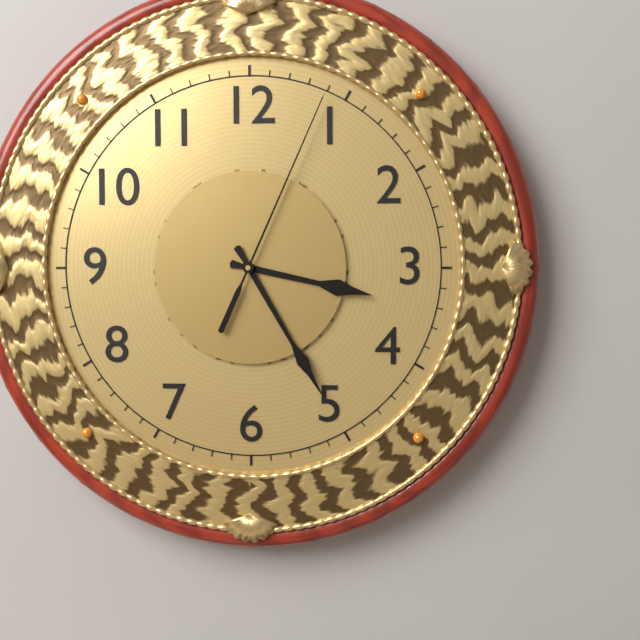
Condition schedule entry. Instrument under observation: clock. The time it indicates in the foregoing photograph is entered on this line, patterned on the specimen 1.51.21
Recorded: 3.25.04
